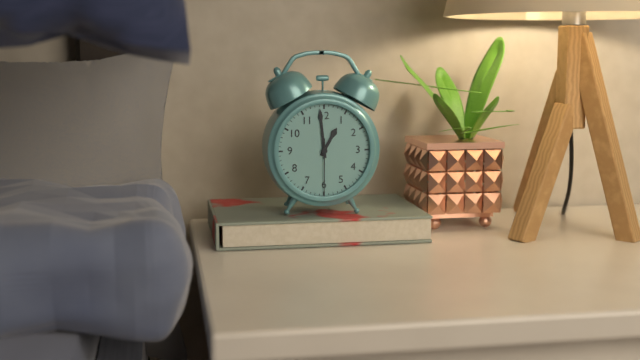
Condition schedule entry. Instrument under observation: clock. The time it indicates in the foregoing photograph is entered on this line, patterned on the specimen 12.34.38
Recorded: 12.59.30
